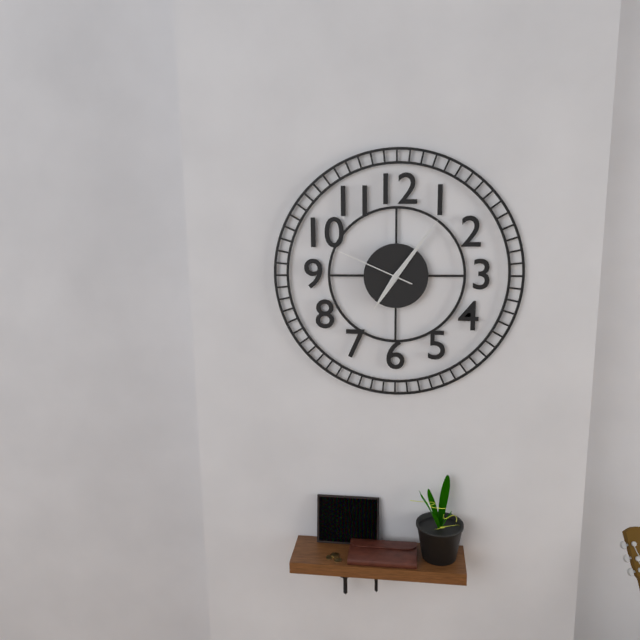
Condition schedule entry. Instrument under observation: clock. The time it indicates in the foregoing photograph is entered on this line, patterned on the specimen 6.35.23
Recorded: 7.06.49
